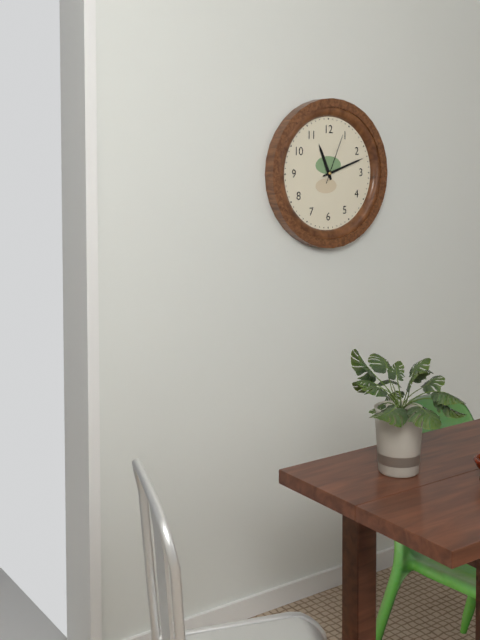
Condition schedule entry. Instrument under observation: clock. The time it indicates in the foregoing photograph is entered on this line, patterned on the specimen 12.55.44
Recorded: 11.12.04
